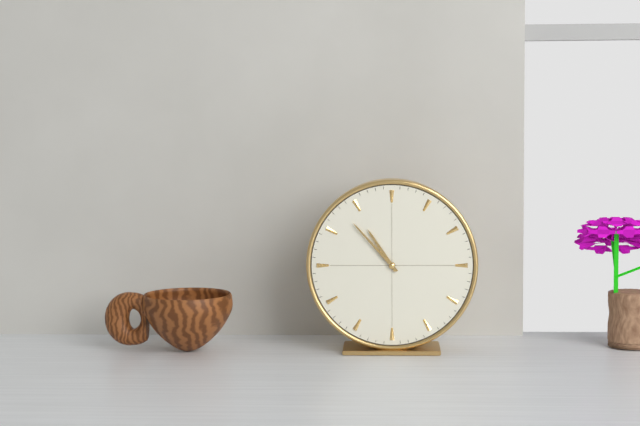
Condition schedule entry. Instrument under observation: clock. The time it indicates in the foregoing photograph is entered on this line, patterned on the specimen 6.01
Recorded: 10.53
